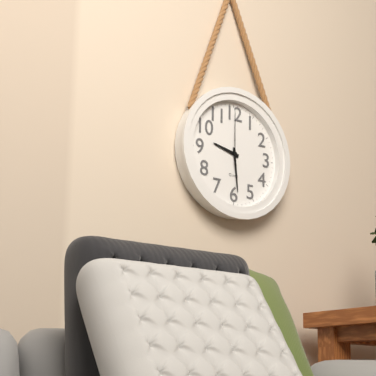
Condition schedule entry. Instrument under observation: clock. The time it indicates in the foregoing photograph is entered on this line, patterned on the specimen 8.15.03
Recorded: 9.29.00
